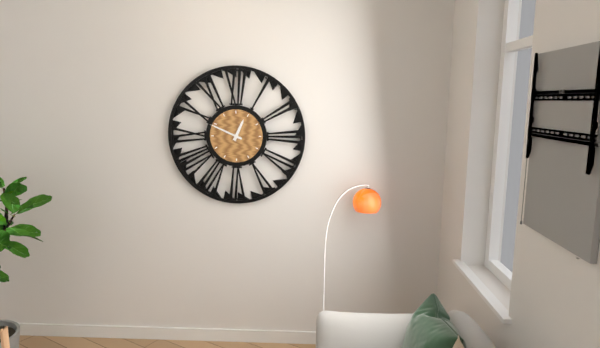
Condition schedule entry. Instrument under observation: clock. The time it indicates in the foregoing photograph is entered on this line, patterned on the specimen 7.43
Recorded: 12.49
